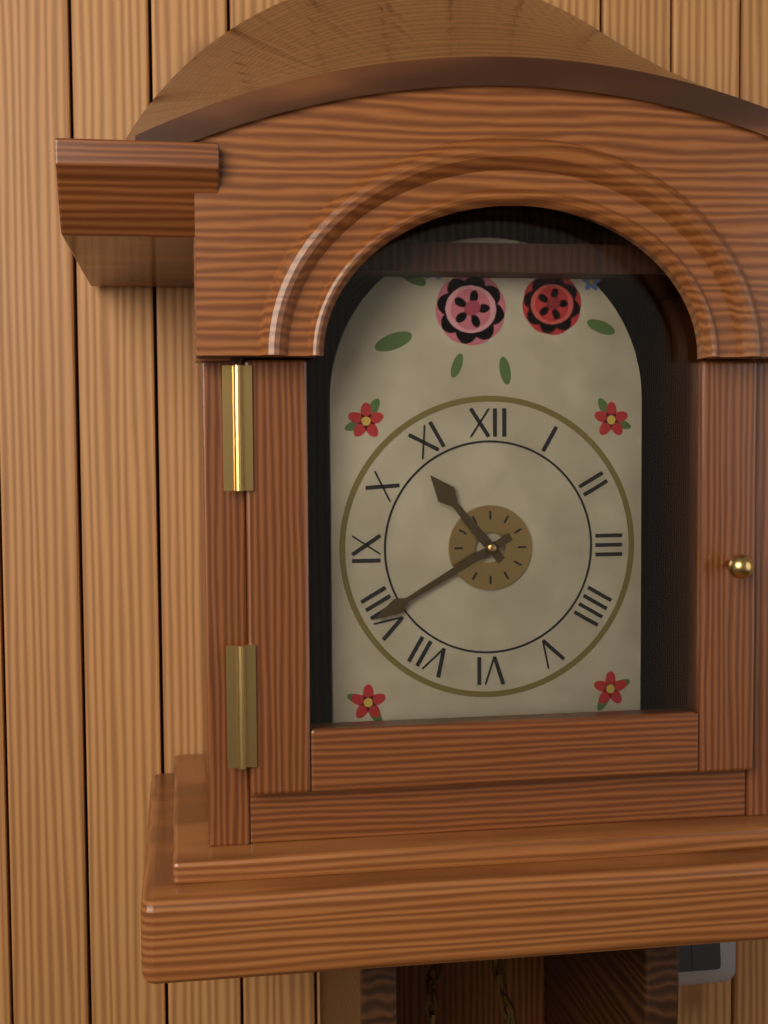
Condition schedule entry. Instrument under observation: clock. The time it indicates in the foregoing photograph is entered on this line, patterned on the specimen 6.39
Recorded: 10.40
